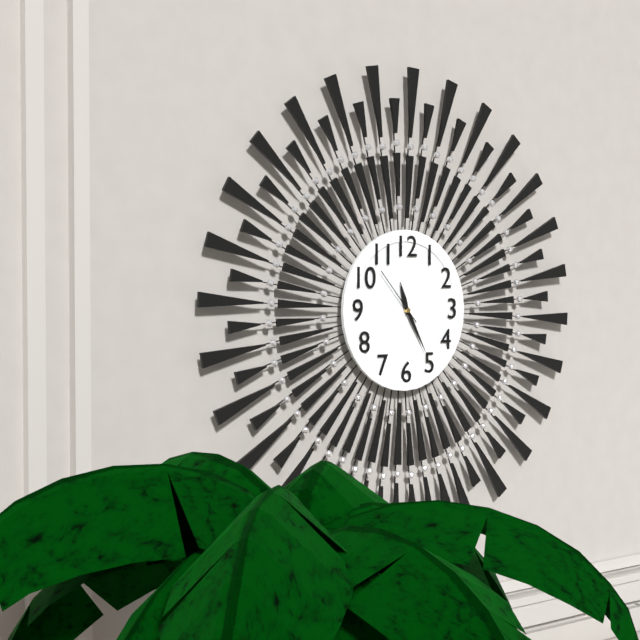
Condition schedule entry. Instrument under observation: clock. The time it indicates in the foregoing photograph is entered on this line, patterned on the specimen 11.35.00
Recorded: 11.25.53
